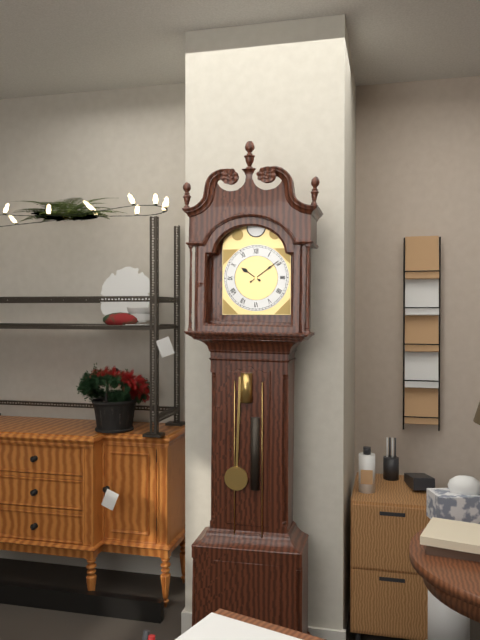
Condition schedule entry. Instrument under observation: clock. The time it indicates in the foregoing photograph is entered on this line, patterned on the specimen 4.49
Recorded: 10.09
